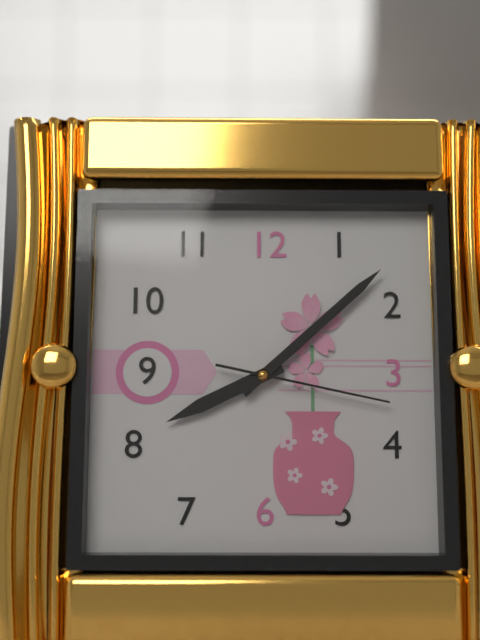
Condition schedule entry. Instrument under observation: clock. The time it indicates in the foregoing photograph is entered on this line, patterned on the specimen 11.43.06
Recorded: 8.08.17
